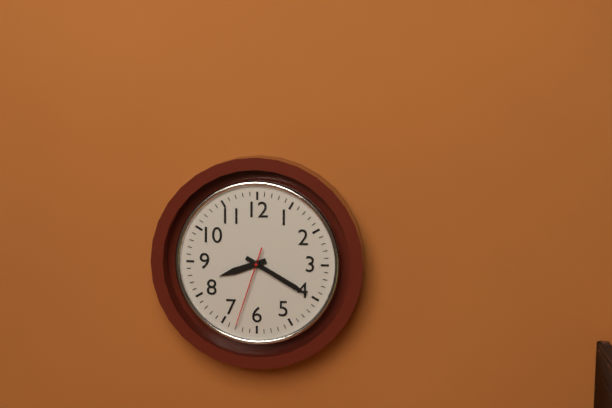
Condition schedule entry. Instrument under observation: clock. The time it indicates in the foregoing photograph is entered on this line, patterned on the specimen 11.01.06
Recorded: 8.20.33
